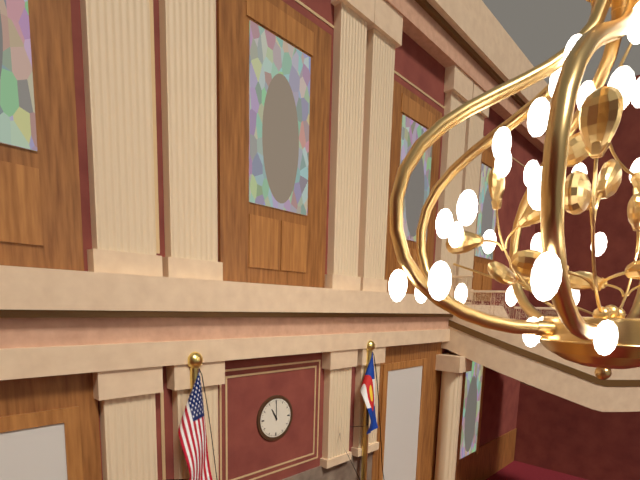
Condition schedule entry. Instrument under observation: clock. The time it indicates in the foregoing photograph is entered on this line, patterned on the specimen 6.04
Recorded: 11.00
